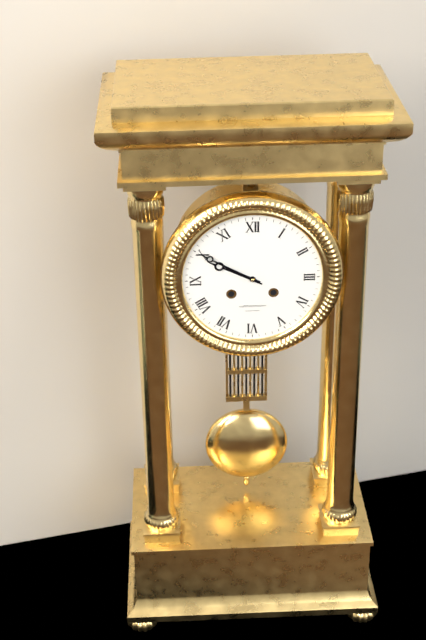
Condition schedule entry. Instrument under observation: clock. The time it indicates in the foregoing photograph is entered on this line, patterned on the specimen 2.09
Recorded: 9.50
